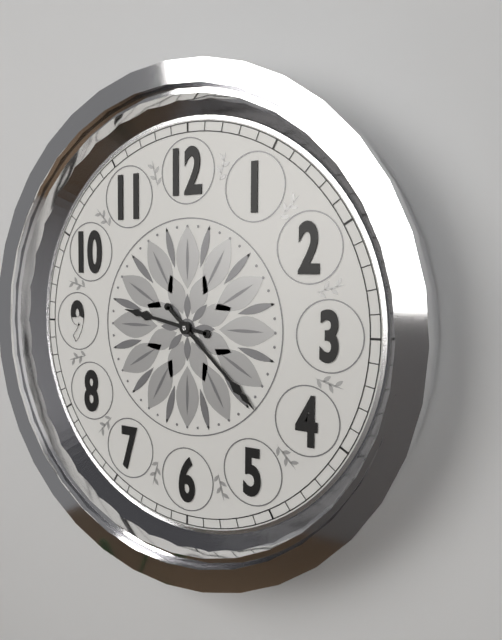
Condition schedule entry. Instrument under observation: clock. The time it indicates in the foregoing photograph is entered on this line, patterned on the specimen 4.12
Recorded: 9.22
